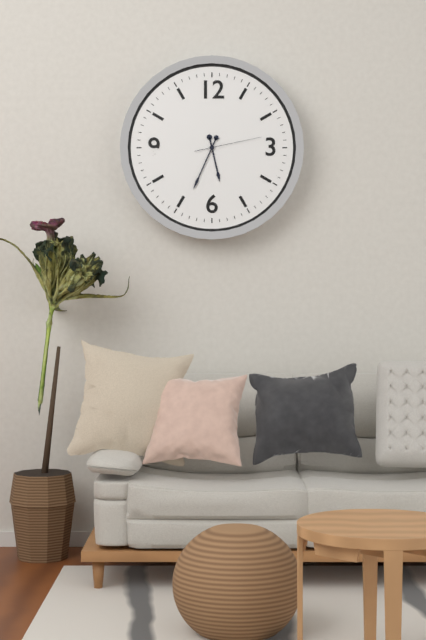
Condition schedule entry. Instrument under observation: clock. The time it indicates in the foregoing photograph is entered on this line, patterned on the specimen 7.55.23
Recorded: 5.34.13
